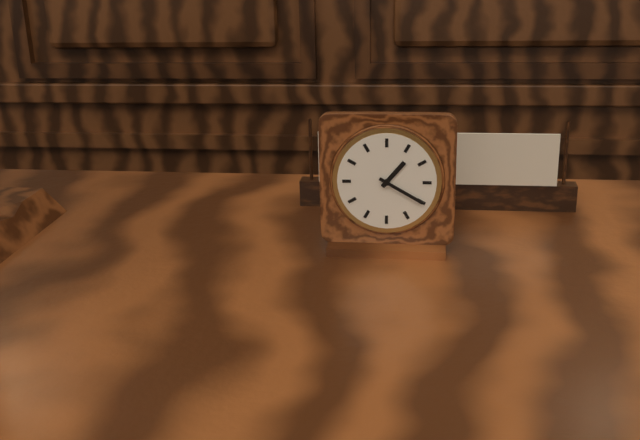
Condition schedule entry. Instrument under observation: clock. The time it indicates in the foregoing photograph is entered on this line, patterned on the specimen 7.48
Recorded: 1.20
